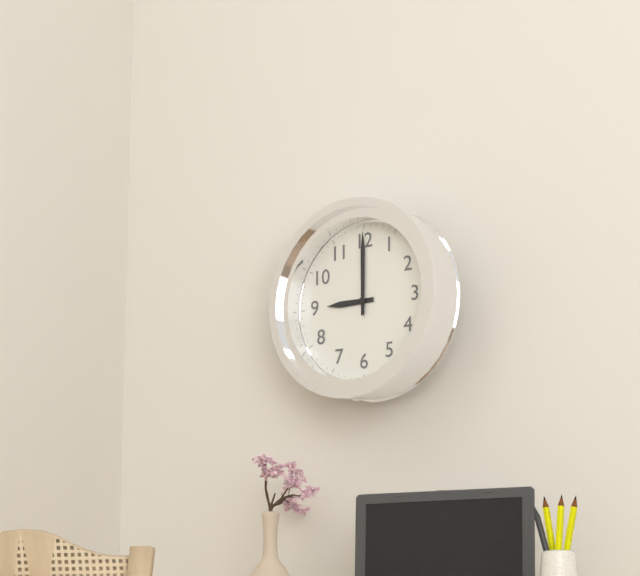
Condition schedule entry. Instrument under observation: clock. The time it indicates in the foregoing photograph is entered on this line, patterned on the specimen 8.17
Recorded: 9.00
